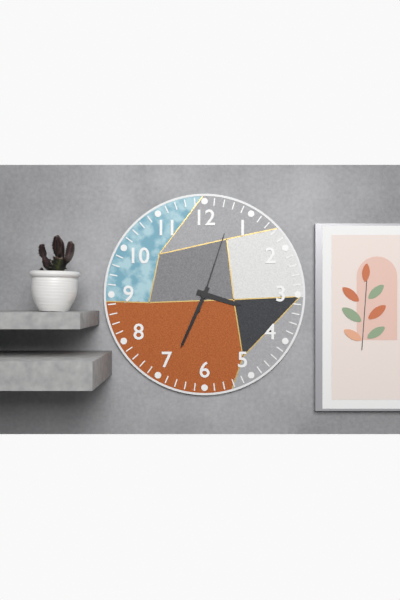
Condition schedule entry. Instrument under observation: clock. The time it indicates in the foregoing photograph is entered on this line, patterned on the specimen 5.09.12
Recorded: 3.34.03
